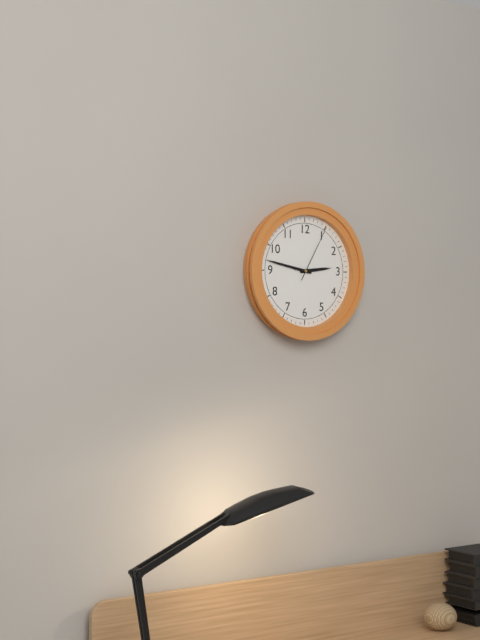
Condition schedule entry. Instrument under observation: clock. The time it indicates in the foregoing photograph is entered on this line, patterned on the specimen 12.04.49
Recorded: 2.47.05
